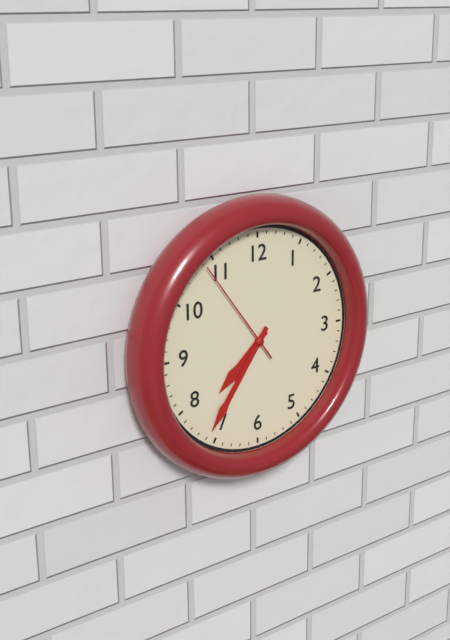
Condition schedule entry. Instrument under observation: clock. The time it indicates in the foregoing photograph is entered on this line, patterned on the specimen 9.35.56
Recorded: 7.36.54
